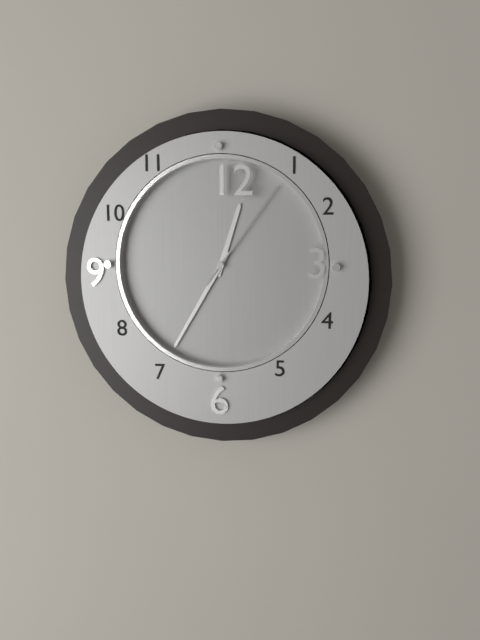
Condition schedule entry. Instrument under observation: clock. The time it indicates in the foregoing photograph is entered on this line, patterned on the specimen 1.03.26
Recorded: 12.35.06
